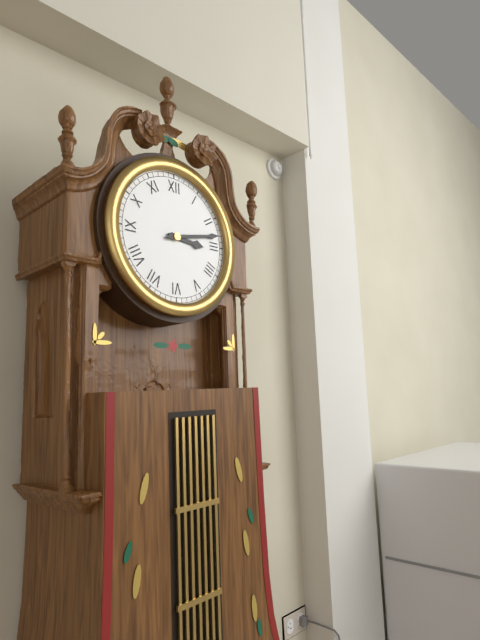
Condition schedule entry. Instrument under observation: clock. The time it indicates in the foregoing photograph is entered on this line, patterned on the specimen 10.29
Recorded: 3.13
